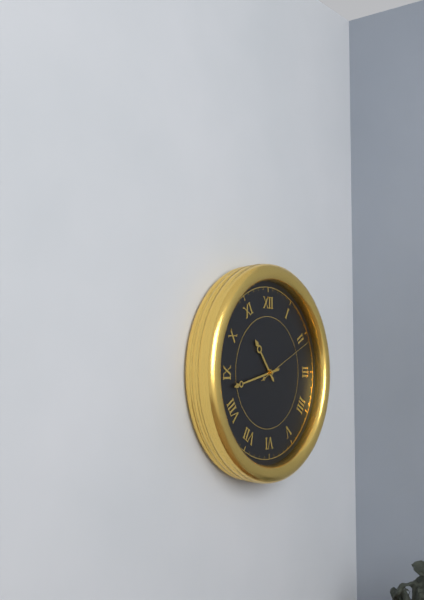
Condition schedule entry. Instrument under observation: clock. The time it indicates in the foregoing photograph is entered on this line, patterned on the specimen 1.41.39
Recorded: 10.43.11
